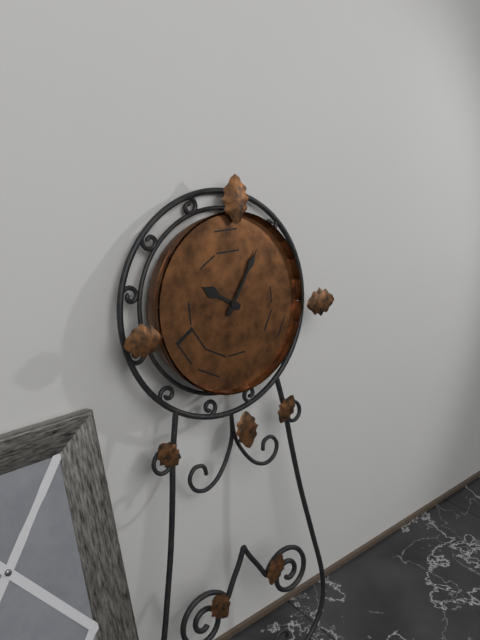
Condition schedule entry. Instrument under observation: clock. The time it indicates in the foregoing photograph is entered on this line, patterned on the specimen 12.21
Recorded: 10.06
